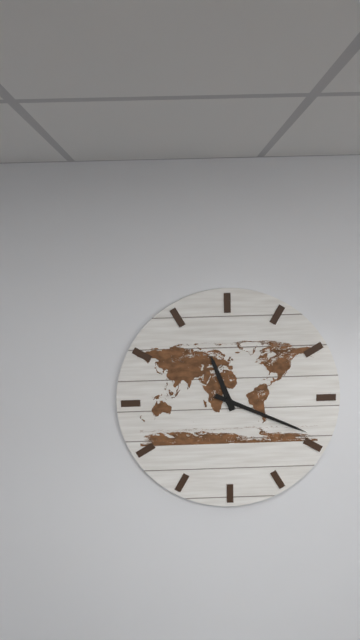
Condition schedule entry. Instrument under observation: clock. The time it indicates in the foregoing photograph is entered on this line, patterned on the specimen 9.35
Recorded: 11.19
